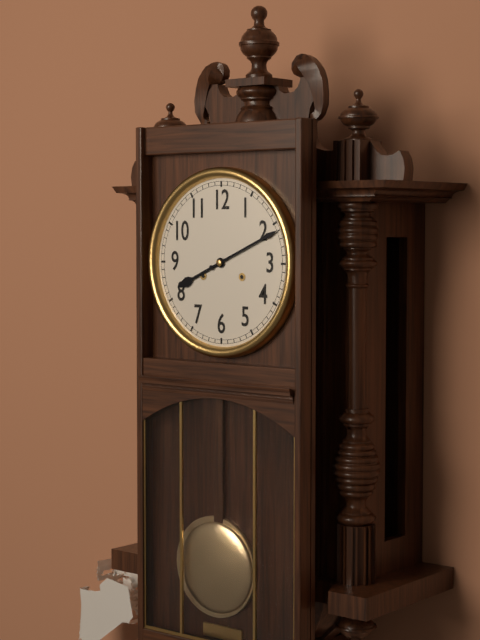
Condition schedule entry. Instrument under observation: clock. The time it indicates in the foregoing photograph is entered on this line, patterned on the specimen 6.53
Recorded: 8.11
